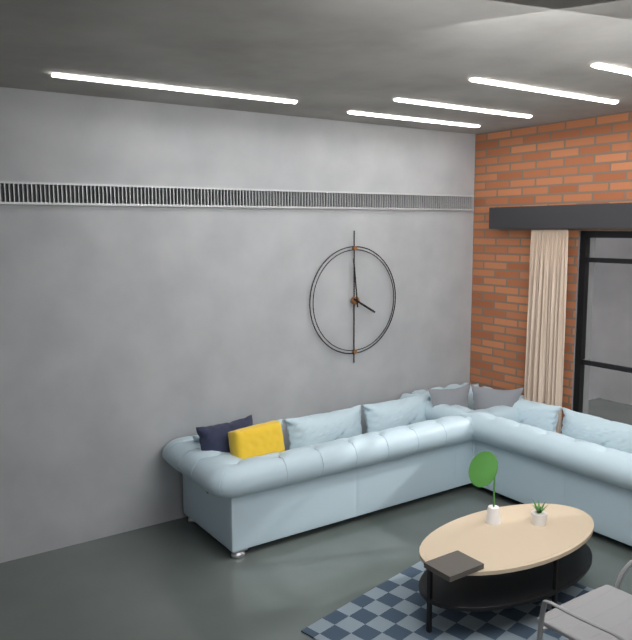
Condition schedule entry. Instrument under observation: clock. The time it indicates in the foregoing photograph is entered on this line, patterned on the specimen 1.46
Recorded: 3.59
